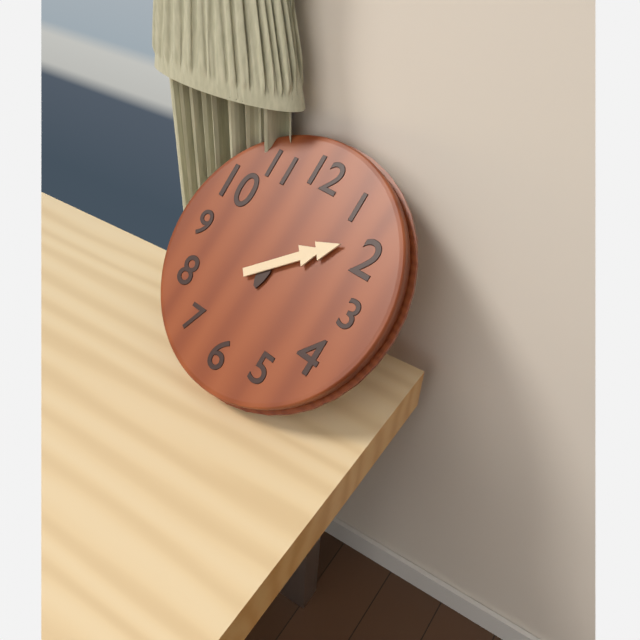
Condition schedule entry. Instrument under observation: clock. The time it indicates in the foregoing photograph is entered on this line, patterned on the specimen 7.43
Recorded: 6.08
